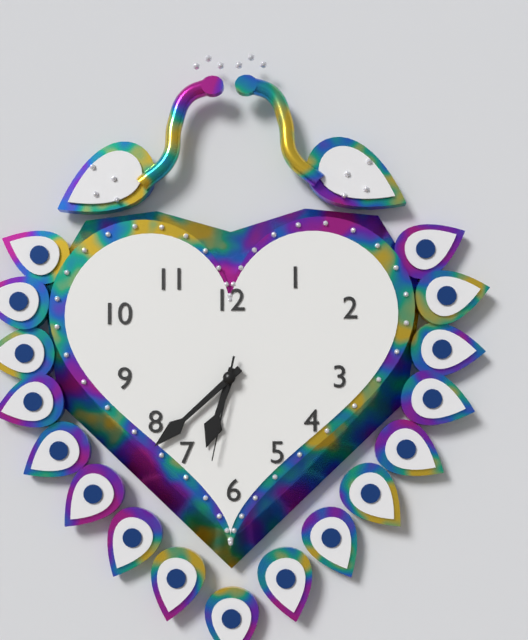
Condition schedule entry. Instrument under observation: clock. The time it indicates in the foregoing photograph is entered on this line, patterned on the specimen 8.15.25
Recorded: 6.38.32
